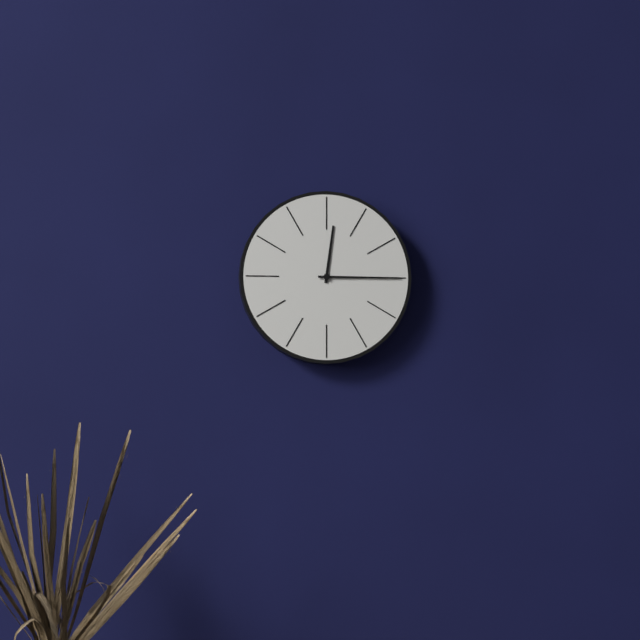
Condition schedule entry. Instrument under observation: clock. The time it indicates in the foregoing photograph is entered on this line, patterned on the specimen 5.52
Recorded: 12.15
